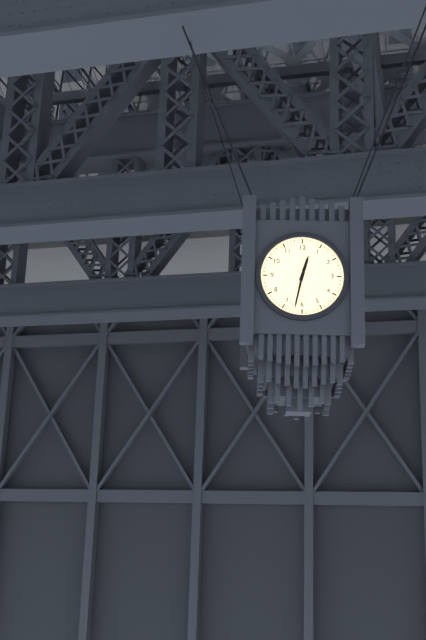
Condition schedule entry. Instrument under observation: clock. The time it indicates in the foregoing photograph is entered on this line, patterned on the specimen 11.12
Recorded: 12.32
